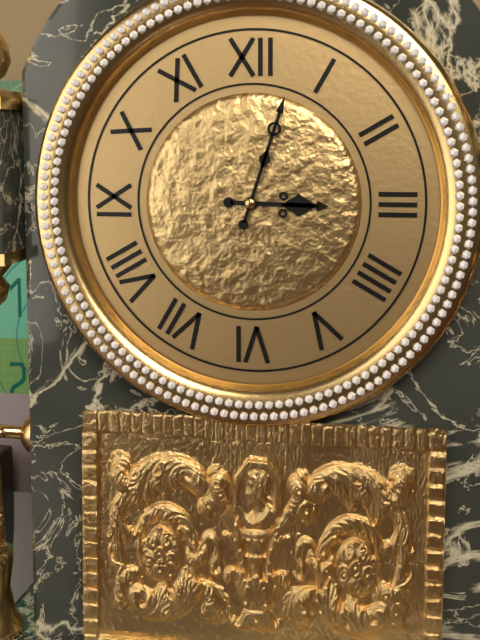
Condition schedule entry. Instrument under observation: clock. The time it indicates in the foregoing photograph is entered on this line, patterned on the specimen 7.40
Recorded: 3.03
